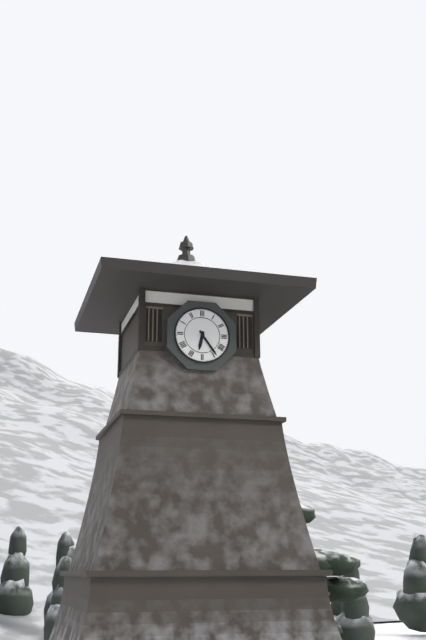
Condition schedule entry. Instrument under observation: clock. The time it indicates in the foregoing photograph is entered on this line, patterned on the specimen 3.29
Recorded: 6.24
